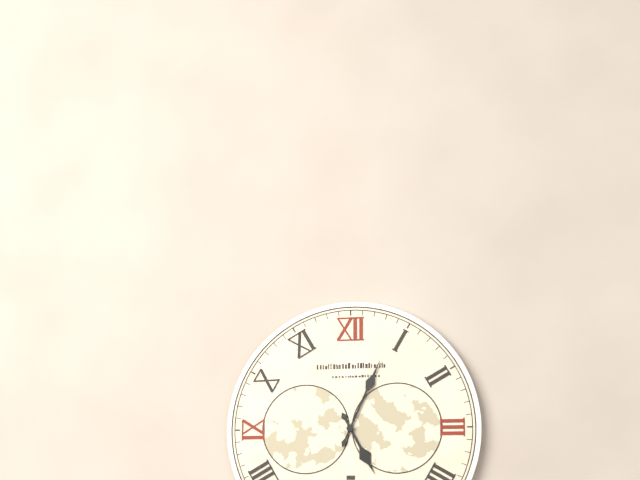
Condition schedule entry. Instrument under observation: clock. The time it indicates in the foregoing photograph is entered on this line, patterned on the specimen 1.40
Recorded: 5.04
